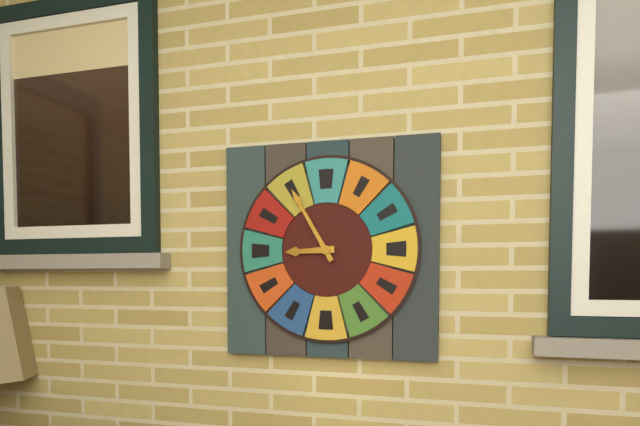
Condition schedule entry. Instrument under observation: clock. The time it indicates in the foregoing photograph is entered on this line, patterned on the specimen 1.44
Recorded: 8.55
